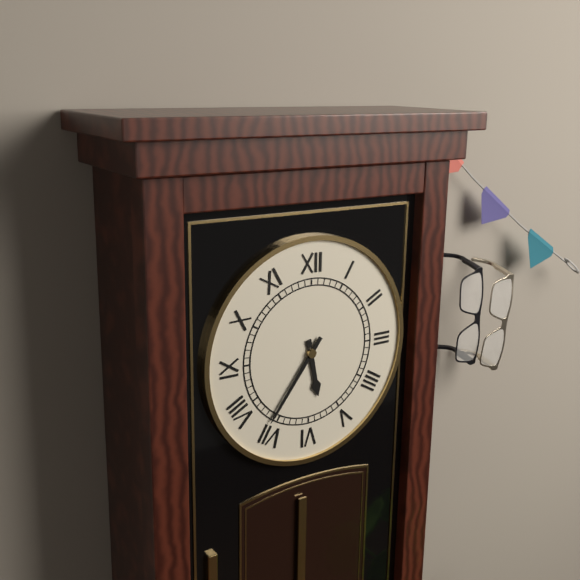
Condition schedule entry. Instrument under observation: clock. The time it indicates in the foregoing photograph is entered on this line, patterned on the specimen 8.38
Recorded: 5.36
